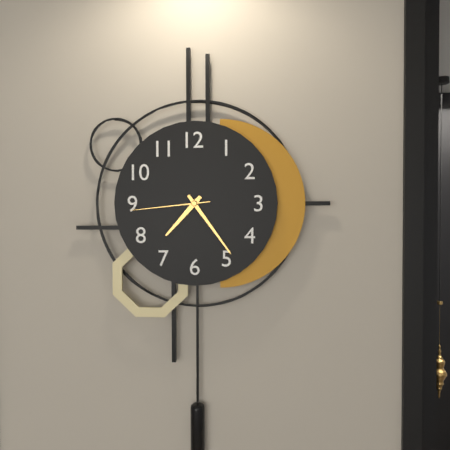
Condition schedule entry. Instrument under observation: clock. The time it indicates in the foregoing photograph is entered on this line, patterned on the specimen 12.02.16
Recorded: 7.24.44
